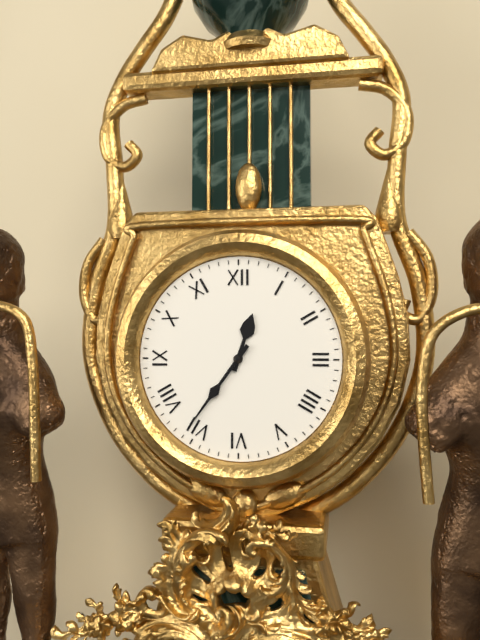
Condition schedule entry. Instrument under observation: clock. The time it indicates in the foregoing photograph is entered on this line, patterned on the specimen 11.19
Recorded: 12.36
